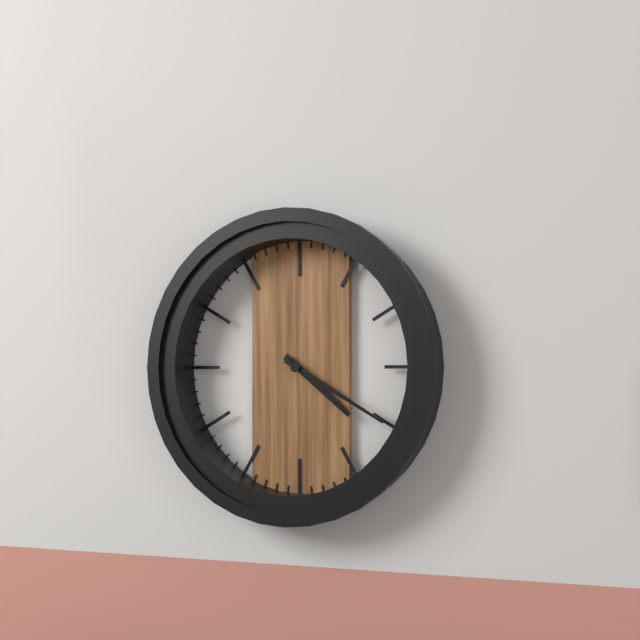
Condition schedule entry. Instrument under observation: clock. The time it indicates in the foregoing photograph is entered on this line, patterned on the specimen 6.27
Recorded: 4.20
